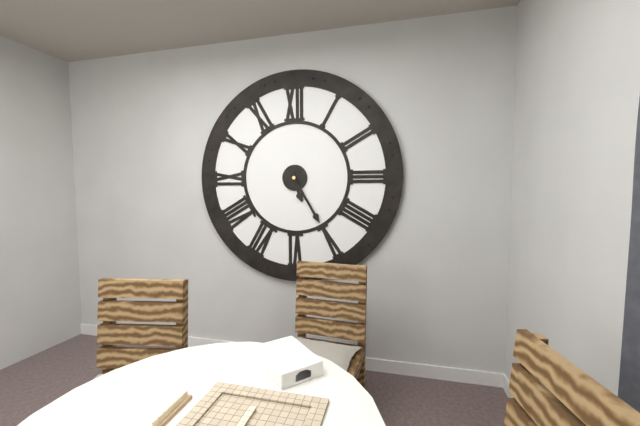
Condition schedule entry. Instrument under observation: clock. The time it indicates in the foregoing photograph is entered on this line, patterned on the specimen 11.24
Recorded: 5.25
